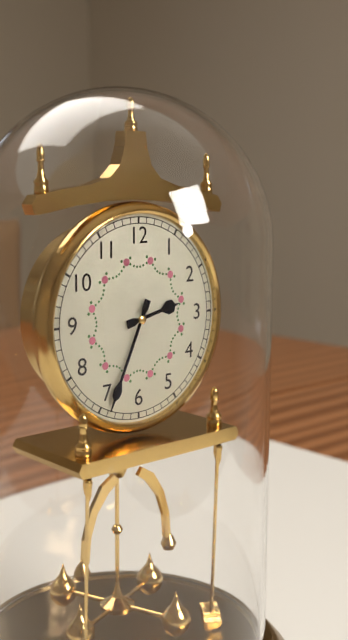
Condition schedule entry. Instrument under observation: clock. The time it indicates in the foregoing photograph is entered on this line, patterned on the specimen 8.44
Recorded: 2.34
